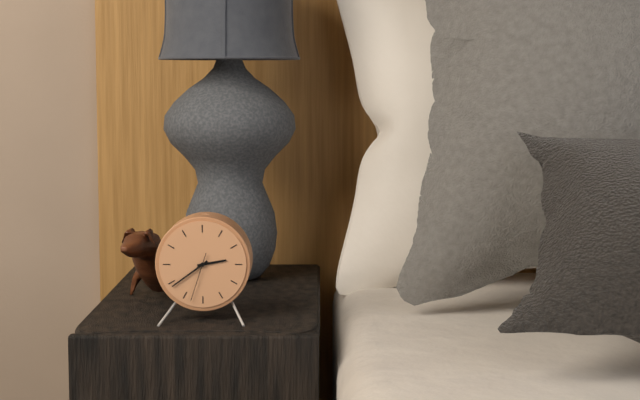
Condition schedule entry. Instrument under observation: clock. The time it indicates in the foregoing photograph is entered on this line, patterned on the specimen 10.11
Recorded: 2.39
